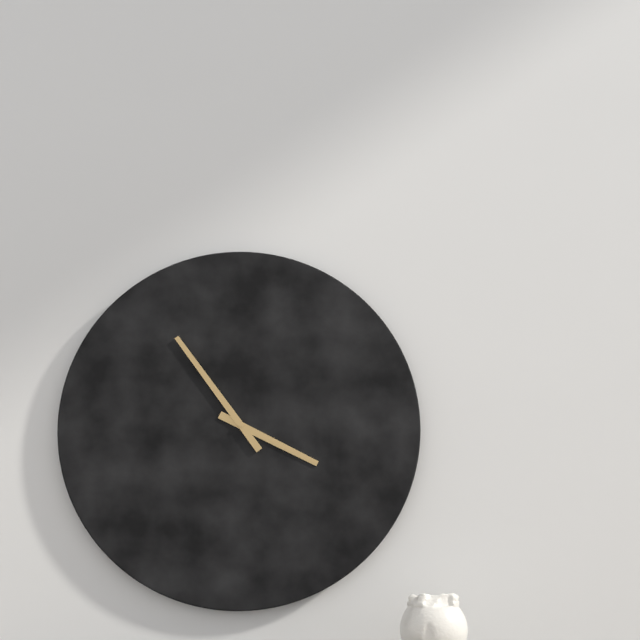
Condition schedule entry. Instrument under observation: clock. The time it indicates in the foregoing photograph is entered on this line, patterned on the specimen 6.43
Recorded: 3.54
